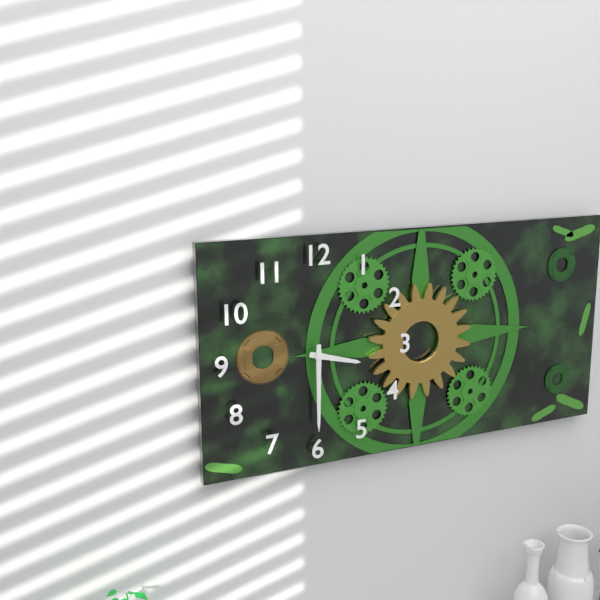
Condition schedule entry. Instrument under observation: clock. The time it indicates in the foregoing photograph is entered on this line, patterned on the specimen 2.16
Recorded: 3.30
